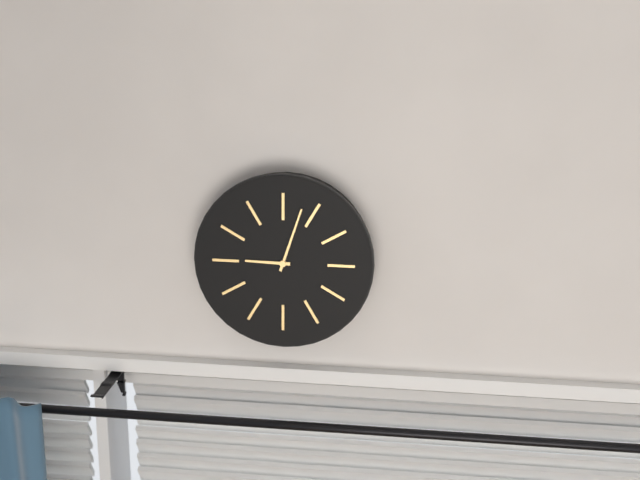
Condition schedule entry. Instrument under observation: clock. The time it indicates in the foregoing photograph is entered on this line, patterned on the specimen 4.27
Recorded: 9.03
